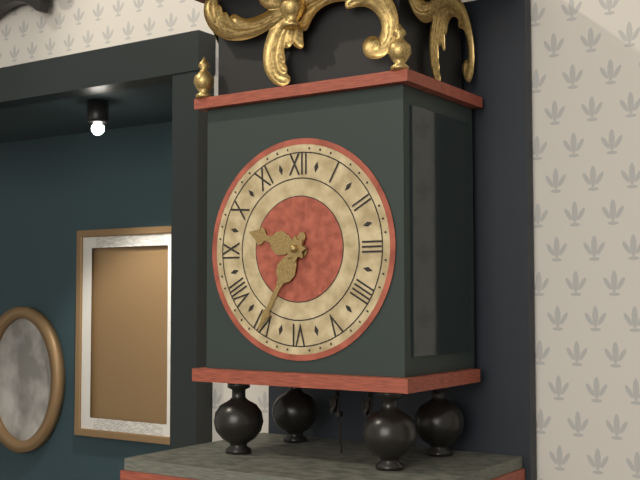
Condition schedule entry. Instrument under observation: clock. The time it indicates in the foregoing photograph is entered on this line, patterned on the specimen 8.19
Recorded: 9.35
